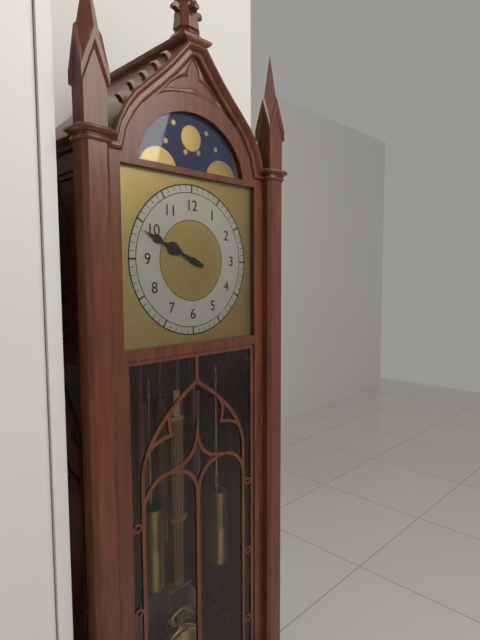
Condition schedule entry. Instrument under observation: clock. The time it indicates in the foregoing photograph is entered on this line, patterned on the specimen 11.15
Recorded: 9.49
